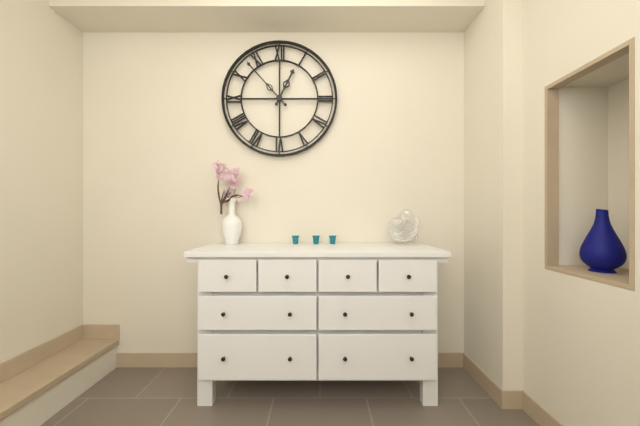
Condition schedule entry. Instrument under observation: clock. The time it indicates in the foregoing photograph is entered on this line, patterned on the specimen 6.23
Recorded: 12.53
